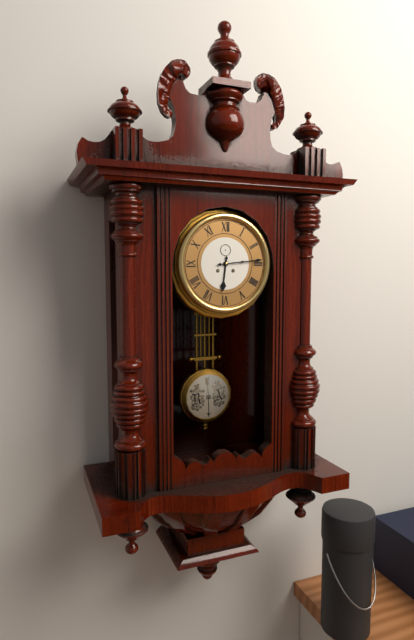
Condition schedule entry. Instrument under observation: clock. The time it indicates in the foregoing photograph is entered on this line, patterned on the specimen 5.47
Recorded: 6.14
